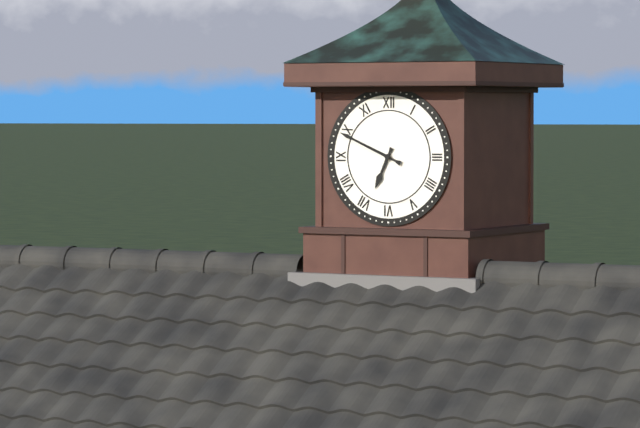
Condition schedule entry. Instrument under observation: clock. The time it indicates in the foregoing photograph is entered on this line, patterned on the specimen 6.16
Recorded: 6.49
